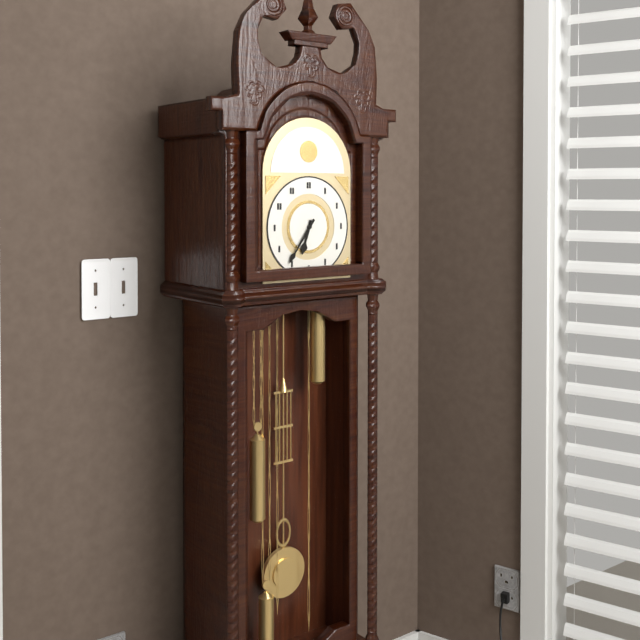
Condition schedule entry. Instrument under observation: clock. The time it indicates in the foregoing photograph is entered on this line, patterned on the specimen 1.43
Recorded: 6.36
